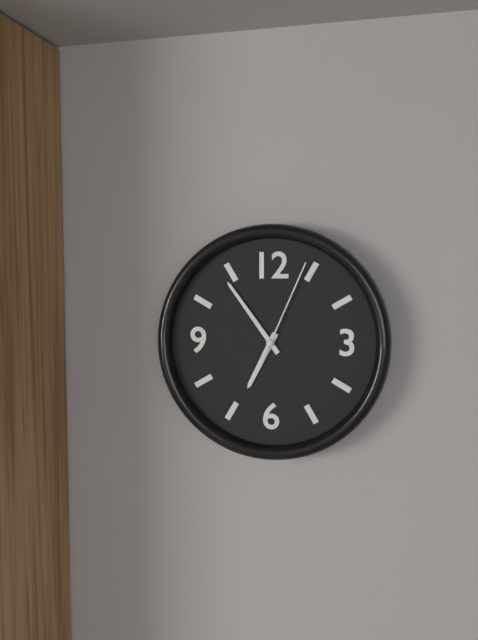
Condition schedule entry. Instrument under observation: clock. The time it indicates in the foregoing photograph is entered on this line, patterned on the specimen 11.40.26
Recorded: 6.54.04
